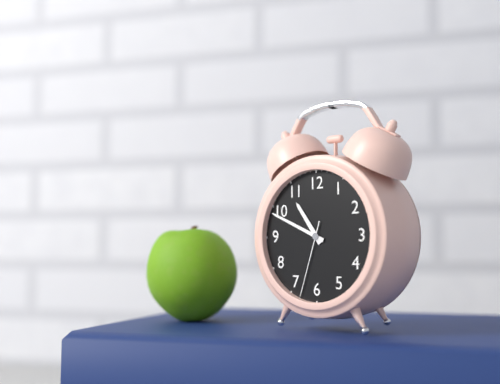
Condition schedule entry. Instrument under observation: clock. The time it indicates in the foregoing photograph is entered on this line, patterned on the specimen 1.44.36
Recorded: 10.49.33
